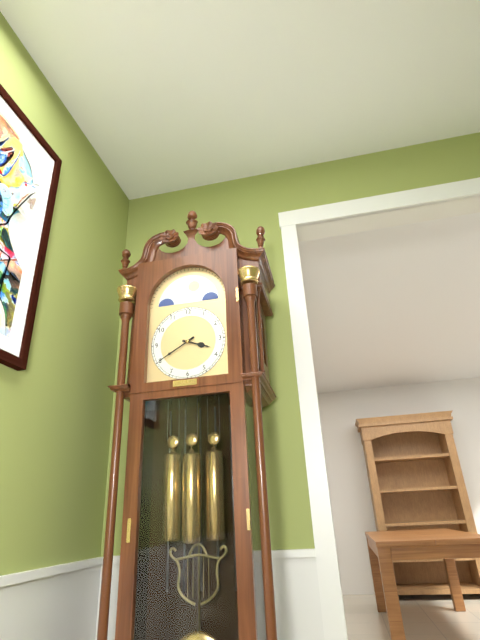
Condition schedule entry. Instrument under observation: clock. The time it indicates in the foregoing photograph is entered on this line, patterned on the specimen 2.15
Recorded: 3.40
